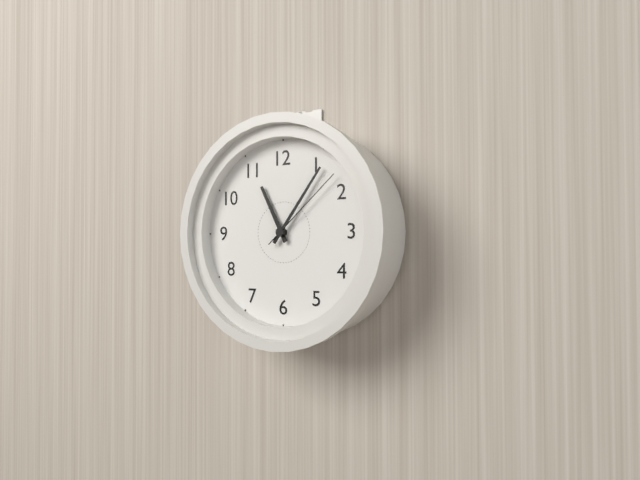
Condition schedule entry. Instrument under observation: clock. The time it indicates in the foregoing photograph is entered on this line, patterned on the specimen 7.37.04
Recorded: 11.06.08
